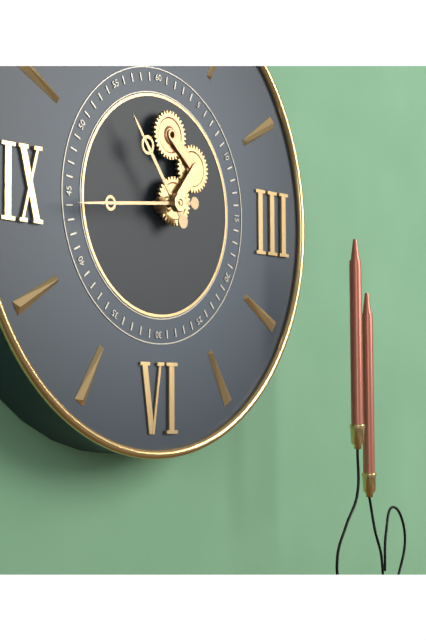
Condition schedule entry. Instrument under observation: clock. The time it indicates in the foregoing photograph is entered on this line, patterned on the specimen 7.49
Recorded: 10.44
